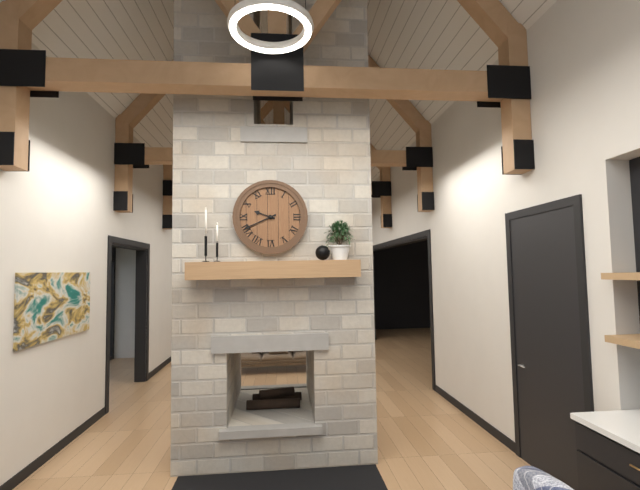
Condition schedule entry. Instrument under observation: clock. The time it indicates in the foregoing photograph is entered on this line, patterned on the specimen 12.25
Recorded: 9.41
